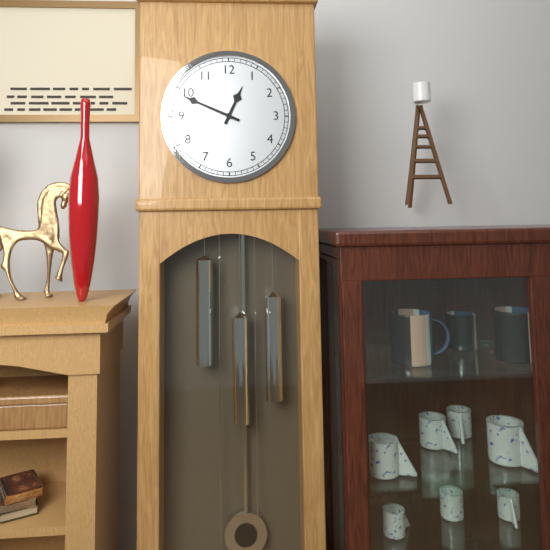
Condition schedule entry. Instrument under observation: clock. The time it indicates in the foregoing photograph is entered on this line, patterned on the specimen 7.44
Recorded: 12.49
